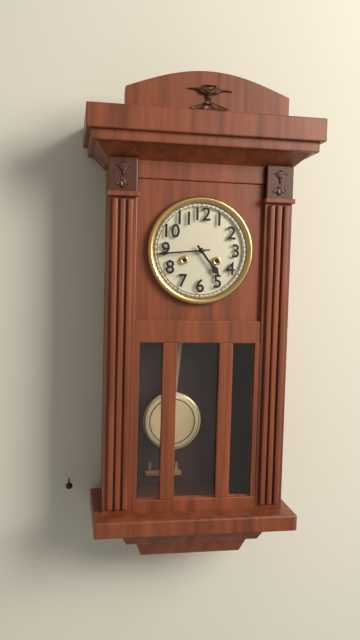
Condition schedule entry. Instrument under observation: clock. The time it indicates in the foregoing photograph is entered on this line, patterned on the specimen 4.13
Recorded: 4.44
